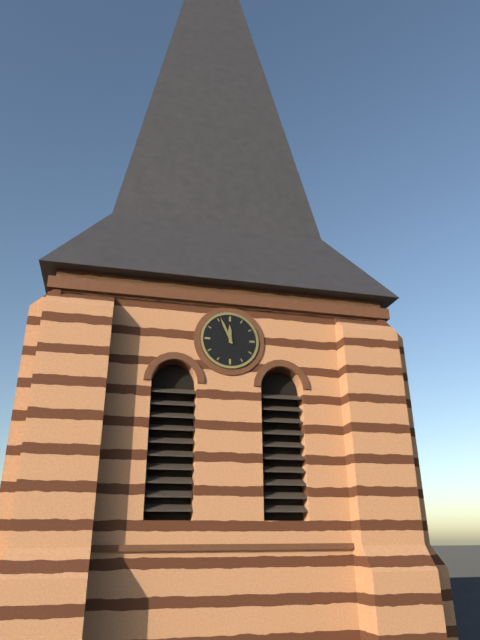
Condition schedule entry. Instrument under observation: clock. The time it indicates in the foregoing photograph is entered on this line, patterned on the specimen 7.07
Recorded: 11.56
